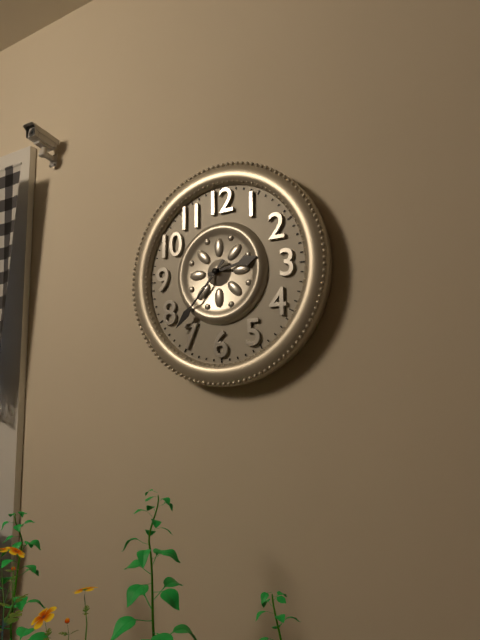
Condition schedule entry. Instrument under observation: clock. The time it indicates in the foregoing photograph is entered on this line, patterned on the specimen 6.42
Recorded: 2.37
